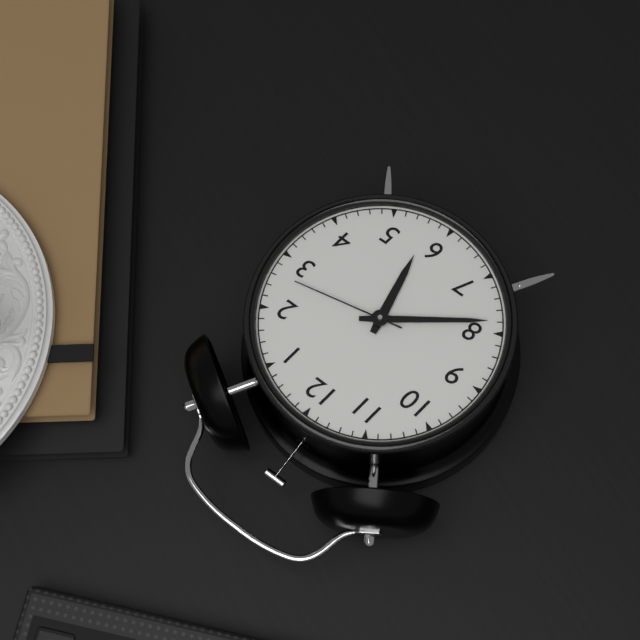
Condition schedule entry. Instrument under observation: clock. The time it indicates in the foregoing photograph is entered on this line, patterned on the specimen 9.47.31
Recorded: 5.39.13
